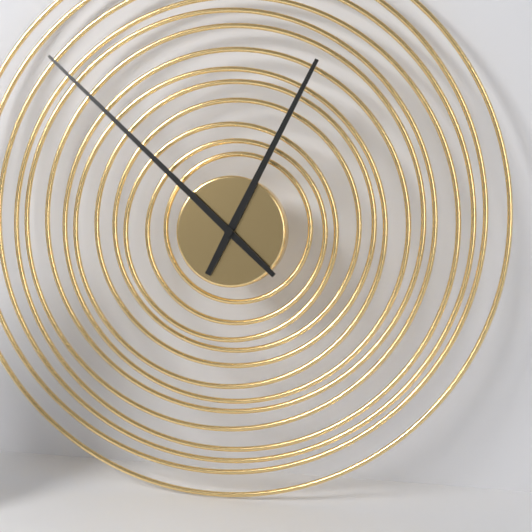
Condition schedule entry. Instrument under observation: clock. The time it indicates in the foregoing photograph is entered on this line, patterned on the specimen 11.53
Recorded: 12.52
